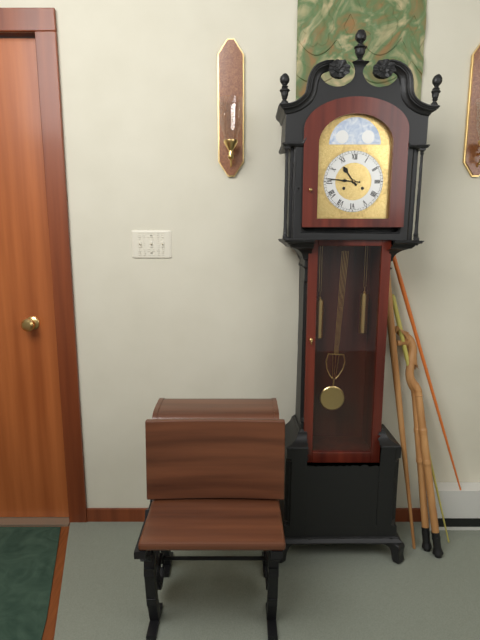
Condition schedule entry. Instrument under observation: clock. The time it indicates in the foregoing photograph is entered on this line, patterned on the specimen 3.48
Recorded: 10.46
